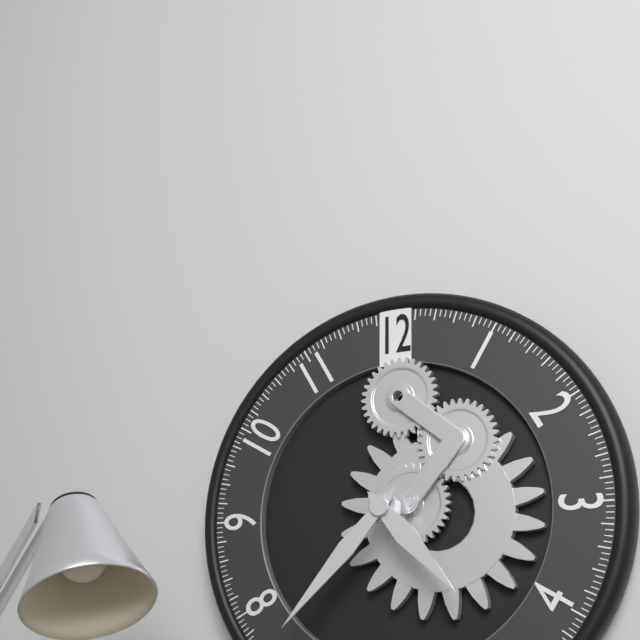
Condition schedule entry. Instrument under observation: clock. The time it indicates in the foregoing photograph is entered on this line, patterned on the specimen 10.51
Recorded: 4.37
